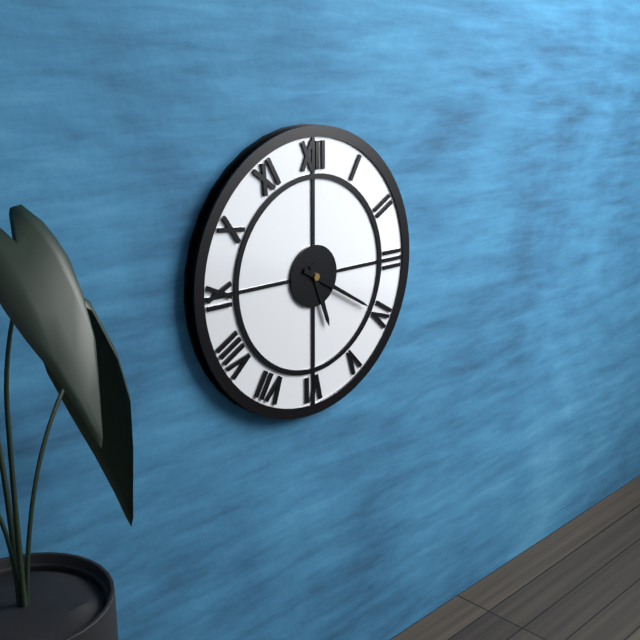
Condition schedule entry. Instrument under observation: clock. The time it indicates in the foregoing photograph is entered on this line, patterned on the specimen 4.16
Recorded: 5.20
